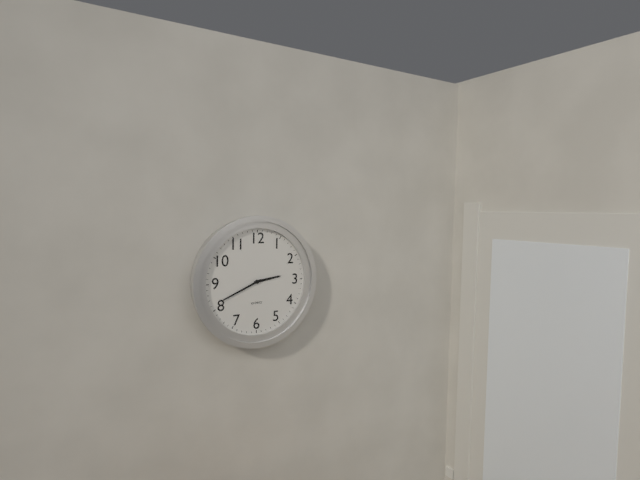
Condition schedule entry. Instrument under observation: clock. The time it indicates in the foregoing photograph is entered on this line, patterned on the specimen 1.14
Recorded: 2.41
